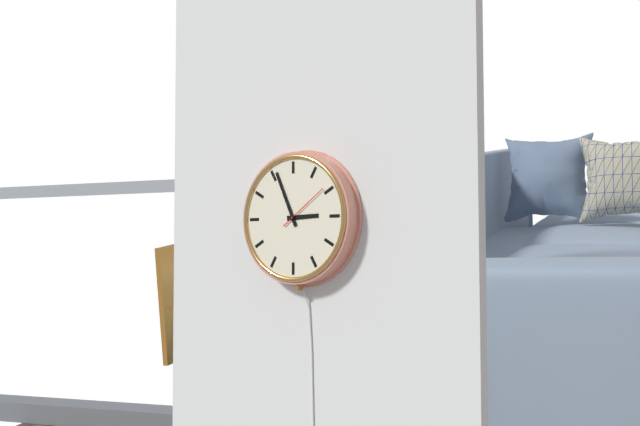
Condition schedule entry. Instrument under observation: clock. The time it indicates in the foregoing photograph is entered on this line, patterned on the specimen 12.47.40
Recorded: 2.56.09
